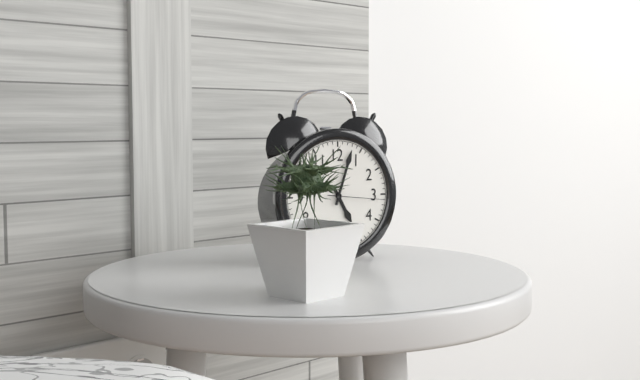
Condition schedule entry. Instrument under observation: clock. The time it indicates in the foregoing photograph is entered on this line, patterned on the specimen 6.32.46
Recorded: 5.03.16
